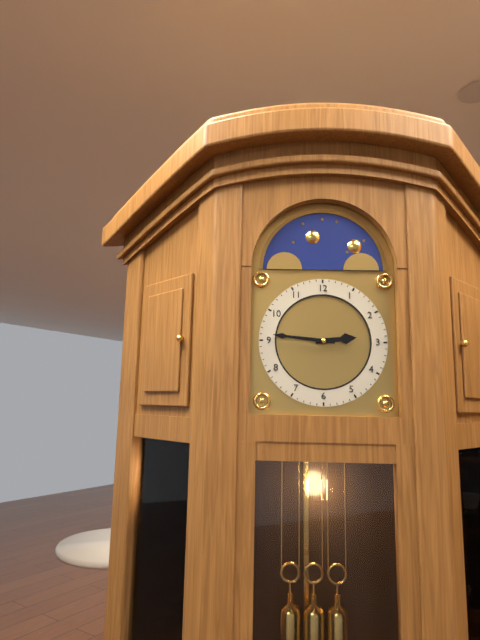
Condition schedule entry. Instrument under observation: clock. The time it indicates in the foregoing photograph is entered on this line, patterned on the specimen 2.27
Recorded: 2.46
